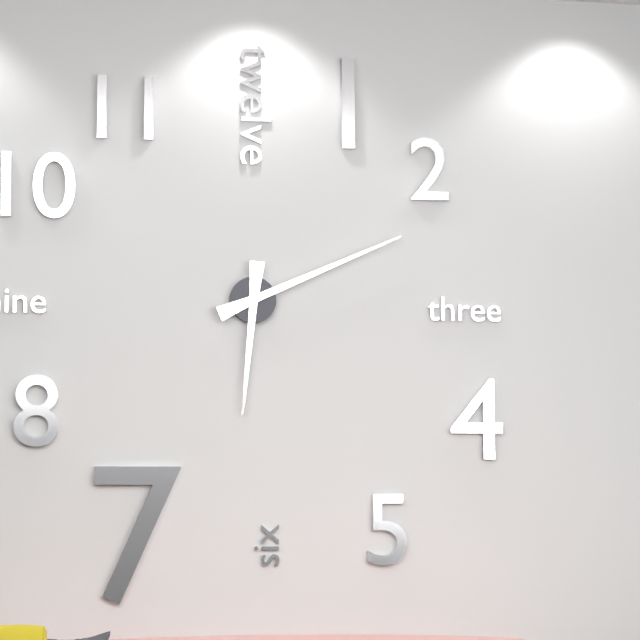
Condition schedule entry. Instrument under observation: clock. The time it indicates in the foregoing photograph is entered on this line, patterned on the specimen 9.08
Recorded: 6.11
